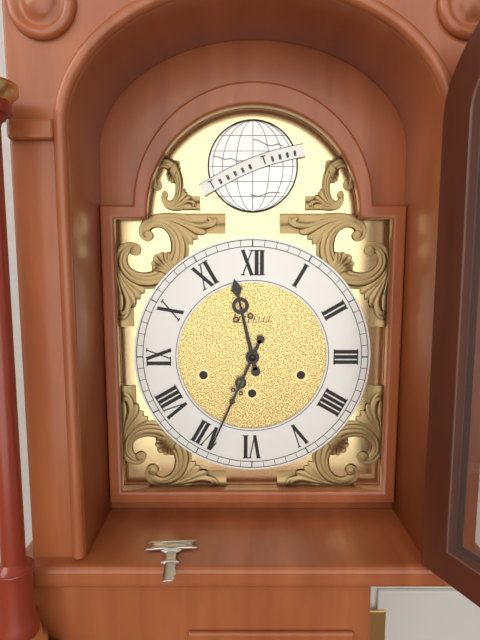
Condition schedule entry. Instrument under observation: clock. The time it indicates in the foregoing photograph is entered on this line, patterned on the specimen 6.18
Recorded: 11.34
